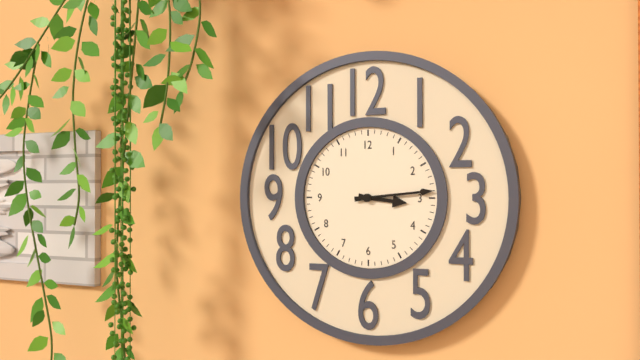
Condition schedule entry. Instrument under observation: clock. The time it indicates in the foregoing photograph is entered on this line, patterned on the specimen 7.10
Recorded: 3.14
